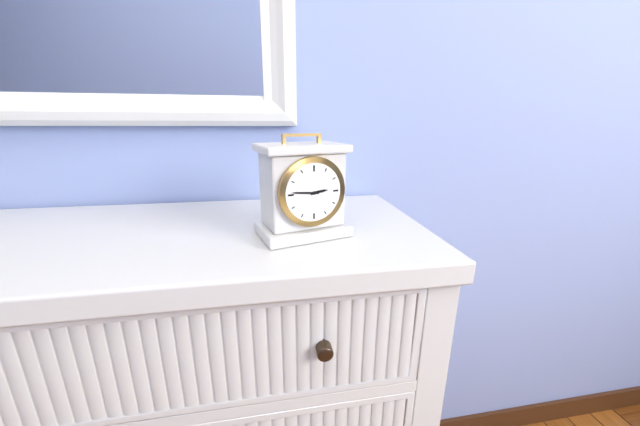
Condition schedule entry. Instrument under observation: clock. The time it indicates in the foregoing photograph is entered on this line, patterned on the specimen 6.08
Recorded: 2.46
